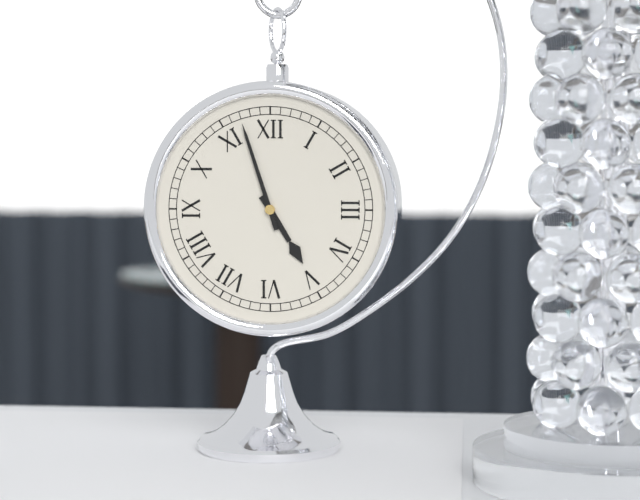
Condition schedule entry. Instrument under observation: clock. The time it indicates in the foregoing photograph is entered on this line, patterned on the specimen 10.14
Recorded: 4.57
